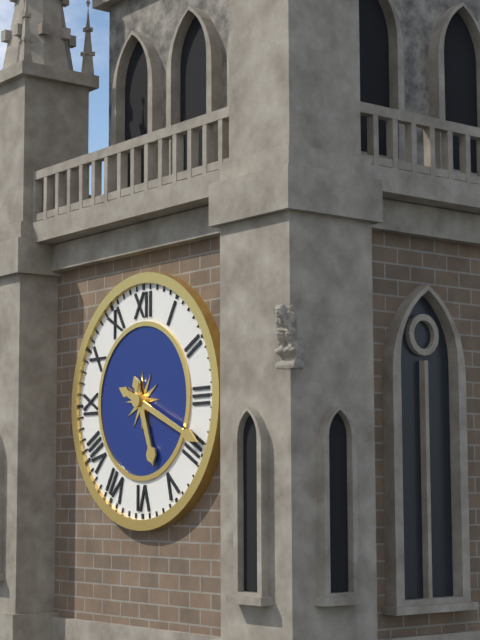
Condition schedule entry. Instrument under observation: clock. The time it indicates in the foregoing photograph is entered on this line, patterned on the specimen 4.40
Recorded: 5.19
